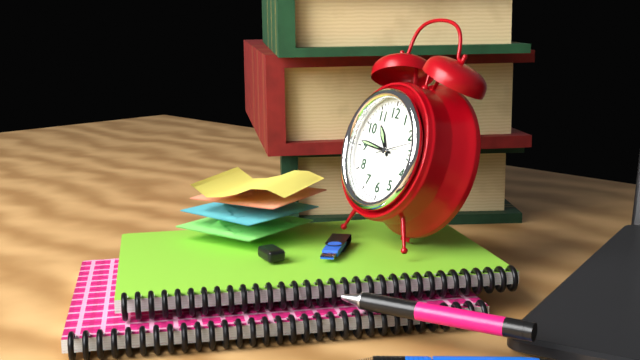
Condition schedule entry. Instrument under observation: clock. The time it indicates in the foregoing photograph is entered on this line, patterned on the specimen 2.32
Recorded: 10.46
